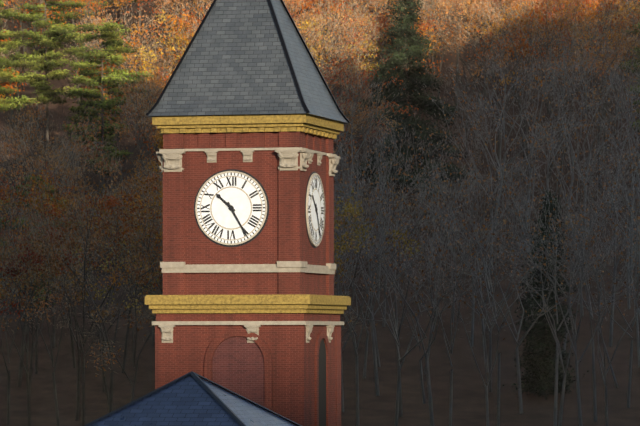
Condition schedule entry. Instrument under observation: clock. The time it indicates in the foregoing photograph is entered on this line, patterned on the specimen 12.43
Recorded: 10.25
